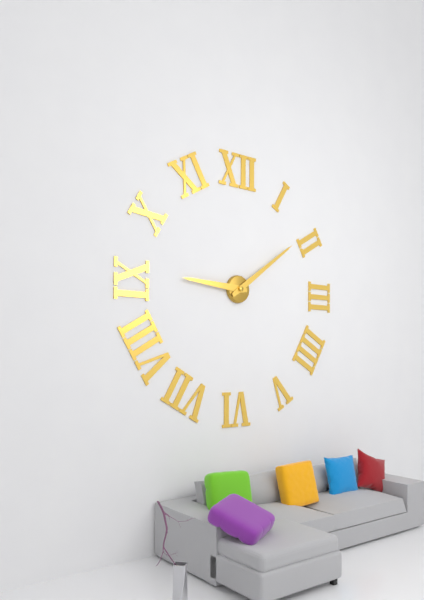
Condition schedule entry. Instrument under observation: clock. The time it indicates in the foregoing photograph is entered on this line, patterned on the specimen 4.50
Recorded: 9.09
